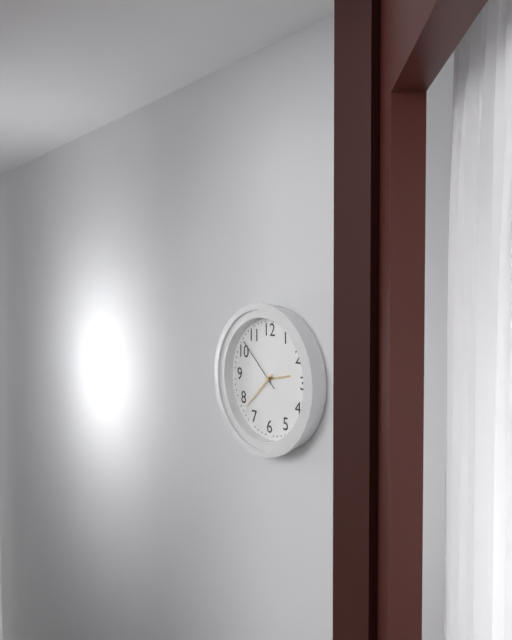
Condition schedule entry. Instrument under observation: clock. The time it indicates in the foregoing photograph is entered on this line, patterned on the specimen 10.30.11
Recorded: 2.38.52
